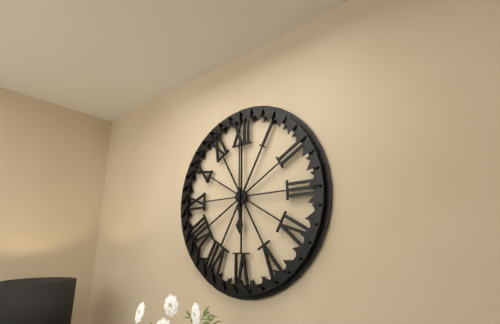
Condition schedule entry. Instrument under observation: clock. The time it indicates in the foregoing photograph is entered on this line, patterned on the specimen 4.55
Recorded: 6.00
